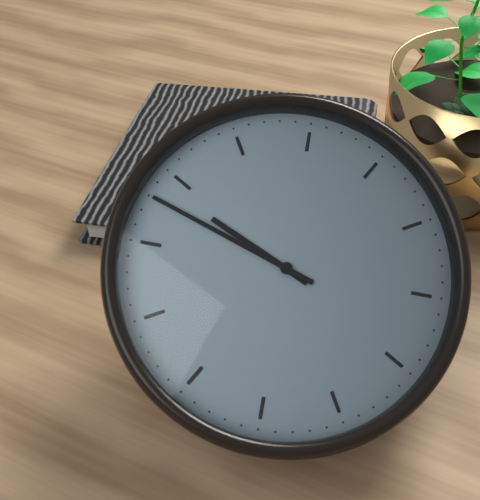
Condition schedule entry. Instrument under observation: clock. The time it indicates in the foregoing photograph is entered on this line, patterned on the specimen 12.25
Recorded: 9.48
